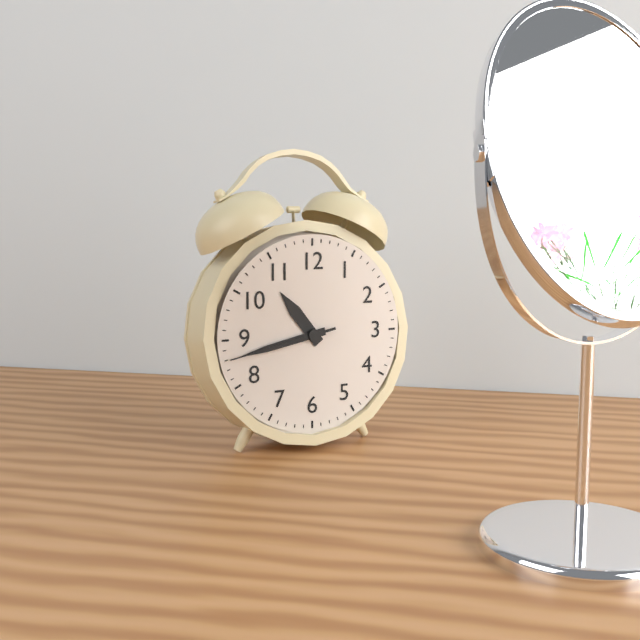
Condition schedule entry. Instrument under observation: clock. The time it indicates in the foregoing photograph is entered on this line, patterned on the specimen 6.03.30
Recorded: 10.43.43
